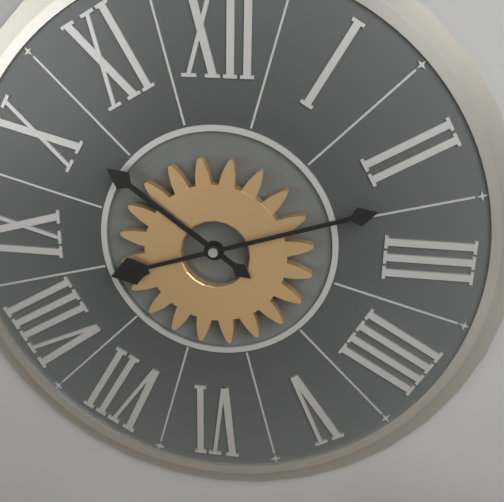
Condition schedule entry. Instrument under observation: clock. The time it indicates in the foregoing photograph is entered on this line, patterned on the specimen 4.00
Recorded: 10.12
